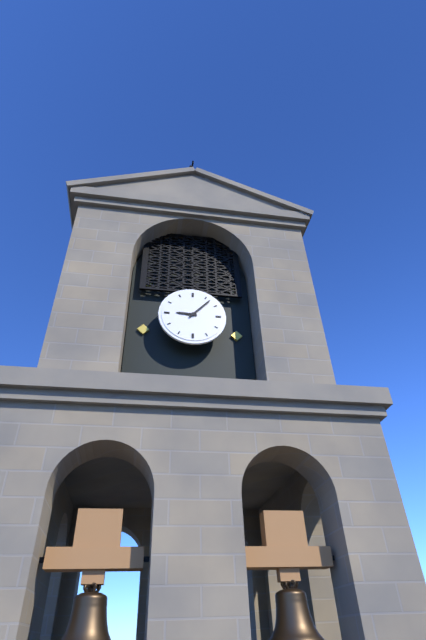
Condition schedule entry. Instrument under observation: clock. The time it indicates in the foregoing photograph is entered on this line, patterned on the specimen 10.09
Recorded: 9.07
